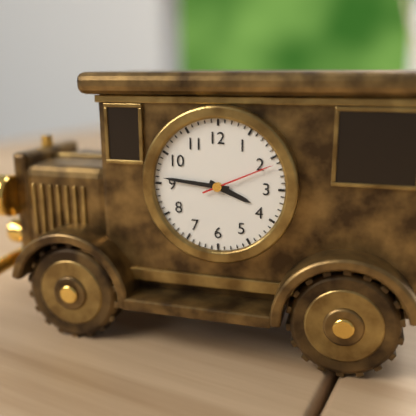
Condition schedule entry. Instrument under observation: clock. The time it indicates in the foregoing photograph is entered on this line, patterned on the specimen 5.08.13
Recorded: 3.46.11
